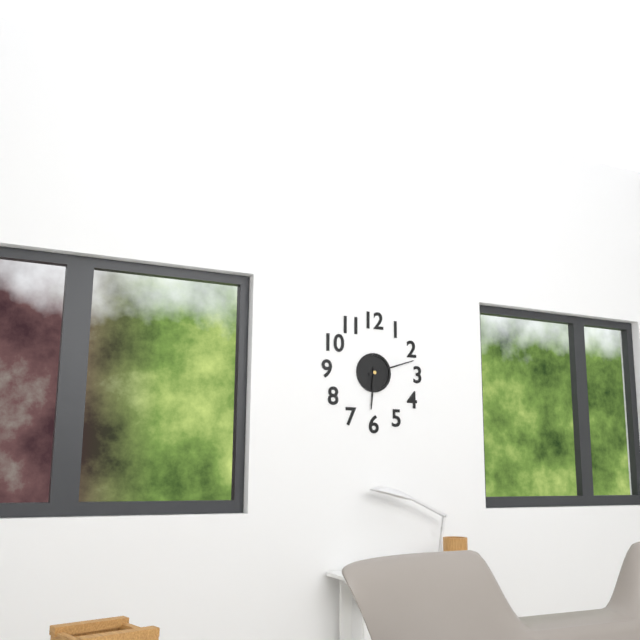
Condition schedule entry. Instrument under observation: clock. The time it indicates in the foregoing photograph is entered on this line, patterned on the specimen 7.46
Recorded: 6.12
